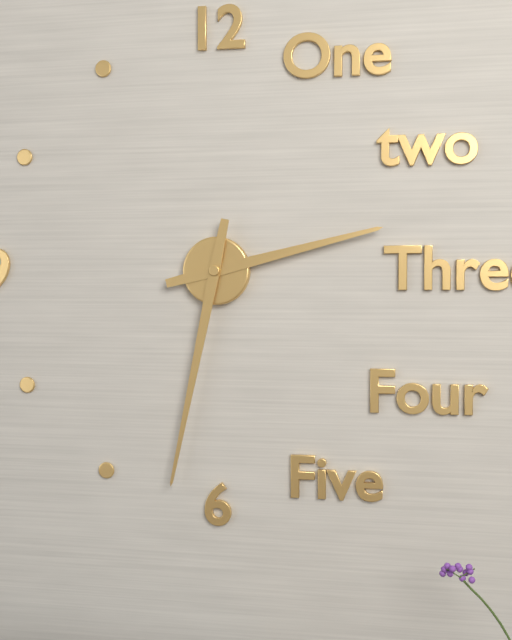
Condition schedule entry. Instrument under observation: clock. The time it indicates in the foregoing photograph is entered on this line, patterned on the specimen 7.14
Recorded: 2.32
